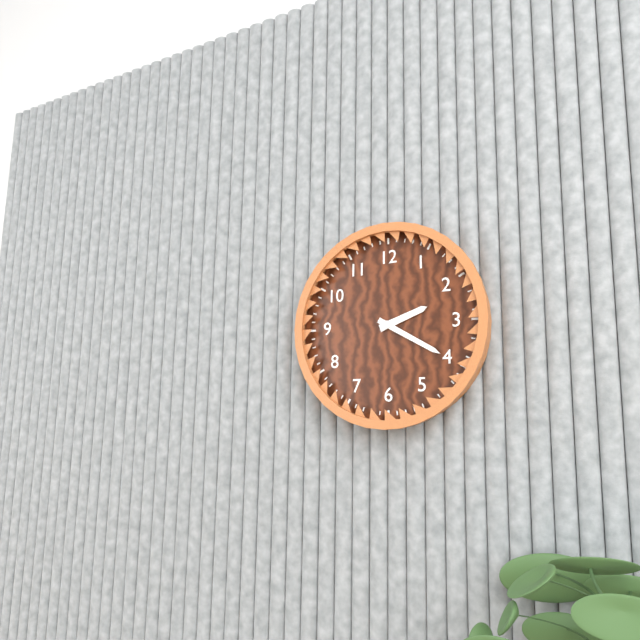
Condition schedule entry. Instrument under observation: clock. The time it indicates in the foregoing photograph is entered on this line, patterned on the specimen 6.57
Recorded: 2.20
